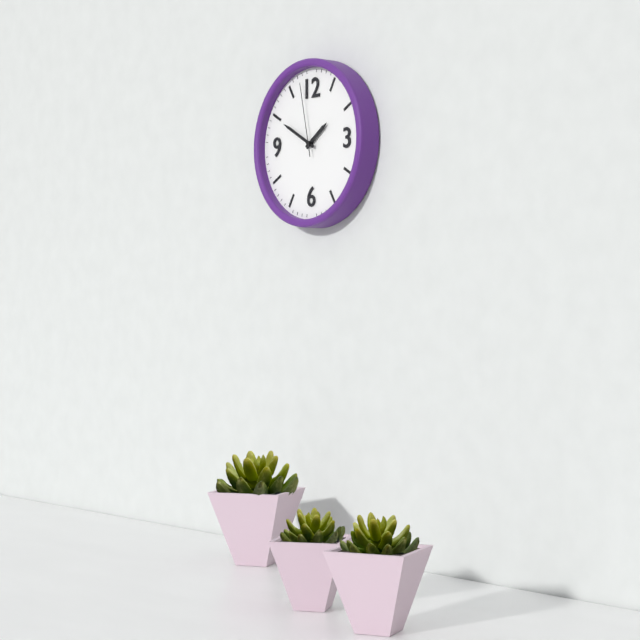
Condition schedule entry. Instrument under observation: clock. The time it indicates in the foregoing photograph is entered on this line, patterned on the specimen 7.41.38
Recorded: 1.50.58
